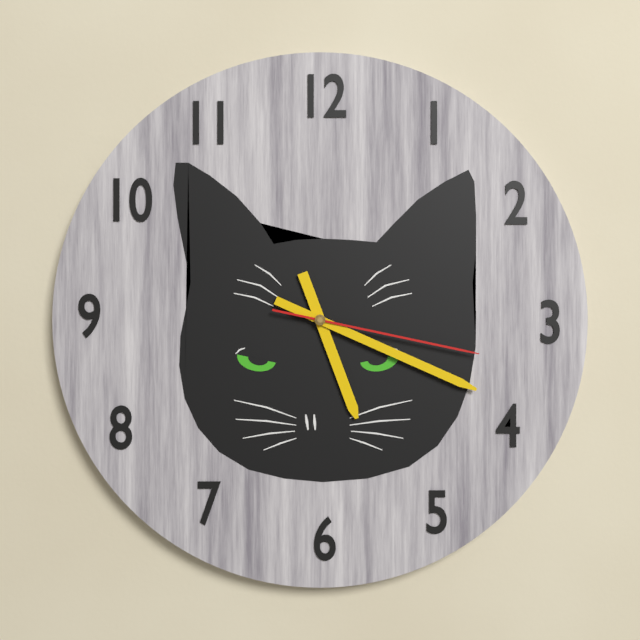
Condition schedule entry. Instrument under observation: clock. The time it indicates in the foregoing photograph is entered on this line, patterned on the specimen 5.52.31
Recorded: 5.19.17
